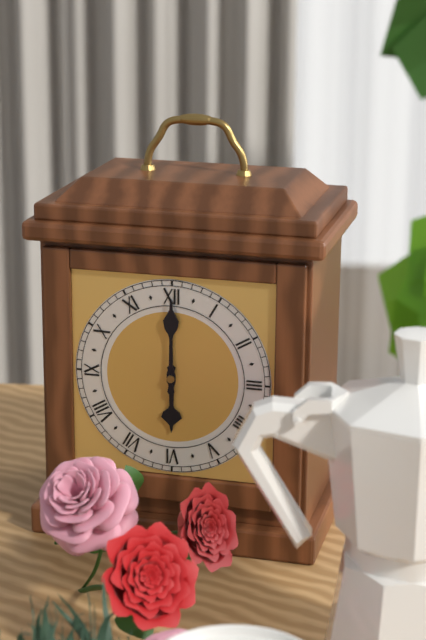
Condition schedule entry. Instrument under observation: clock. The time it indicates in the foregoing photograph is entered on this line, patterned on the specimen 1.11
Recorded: 6.00
